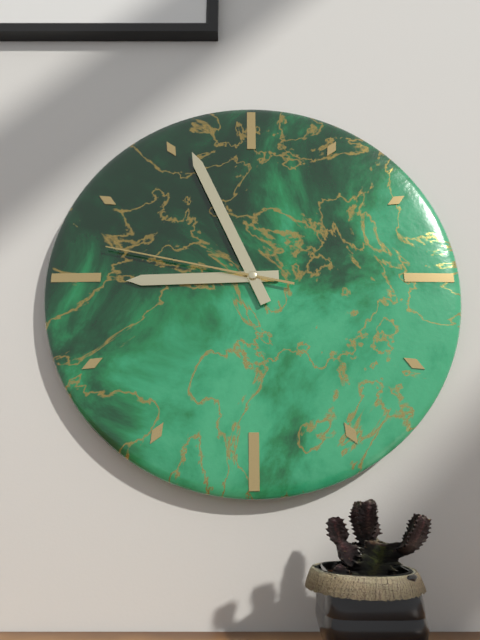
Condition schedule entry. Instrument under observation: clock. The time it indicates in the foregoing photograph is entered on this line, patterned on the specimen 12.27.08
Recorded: 8.56.47
